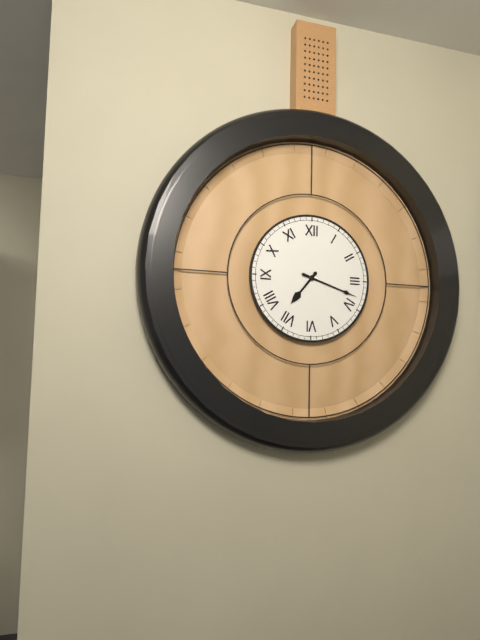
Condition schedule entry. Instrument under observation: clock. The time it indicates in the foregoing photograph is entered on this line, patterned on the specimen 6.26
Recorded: 7.18
